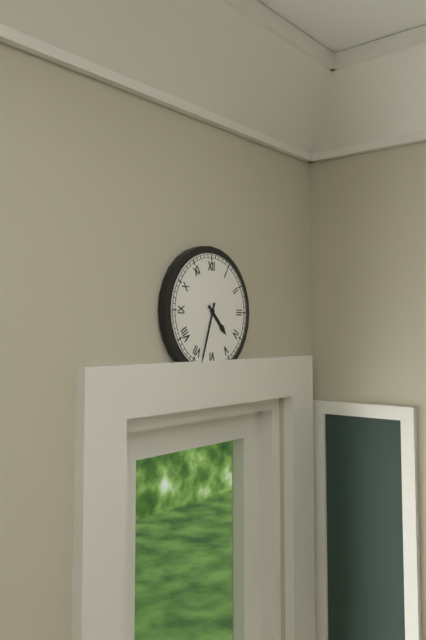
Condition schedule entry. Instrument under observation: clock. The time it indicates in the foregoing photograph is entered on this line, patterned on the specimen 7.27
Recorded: 4.33
